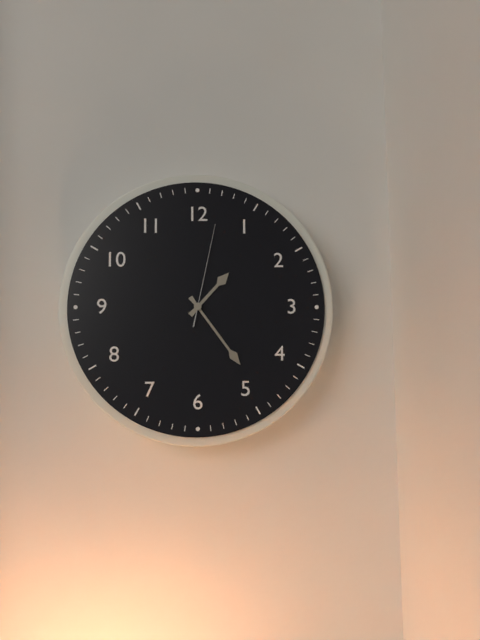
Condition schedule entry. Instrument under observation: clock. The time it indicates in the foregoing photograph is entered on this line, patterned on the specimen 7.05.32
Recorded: 1.24.02
